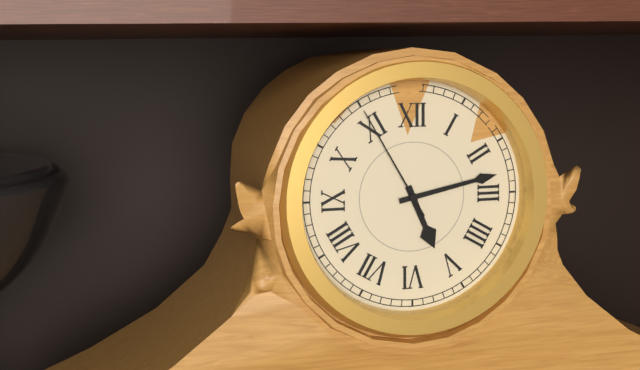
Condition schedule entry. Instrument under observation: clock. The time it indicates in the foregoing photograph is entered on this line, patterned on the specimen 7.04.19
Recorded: 5.13.55
